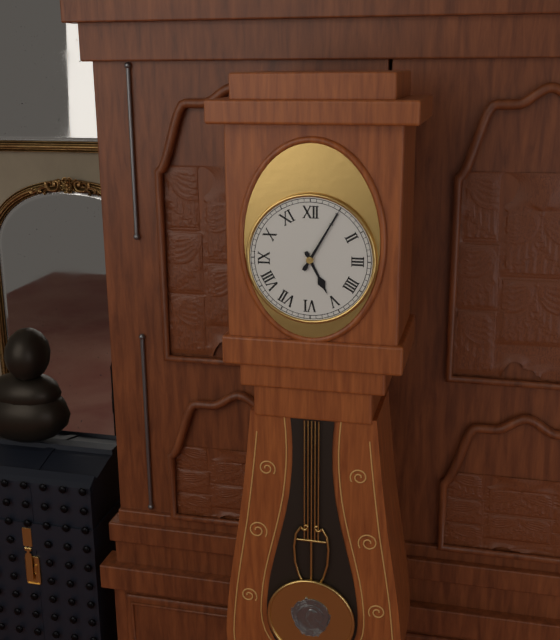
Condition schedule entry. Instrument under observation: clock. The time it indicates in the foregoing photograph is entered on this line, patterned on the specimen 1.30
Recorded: 5.05
